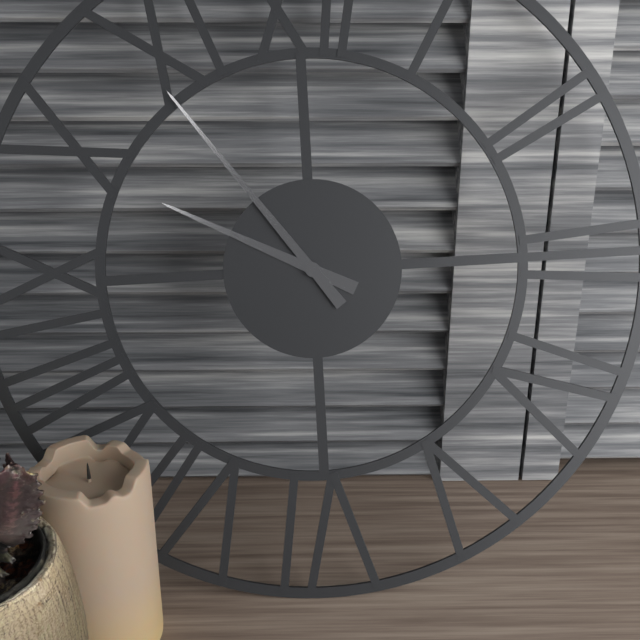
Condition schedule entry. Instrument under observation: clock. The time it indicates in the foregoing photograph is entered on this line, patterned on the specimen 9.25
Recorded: 9.54
